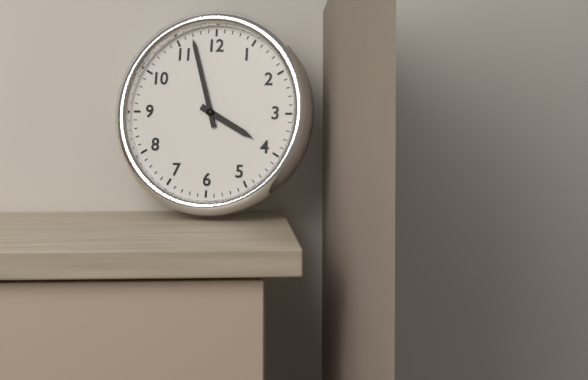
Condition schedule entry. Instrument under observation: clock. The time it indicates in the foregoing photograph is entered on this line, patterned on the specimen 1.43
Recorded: 3.57
